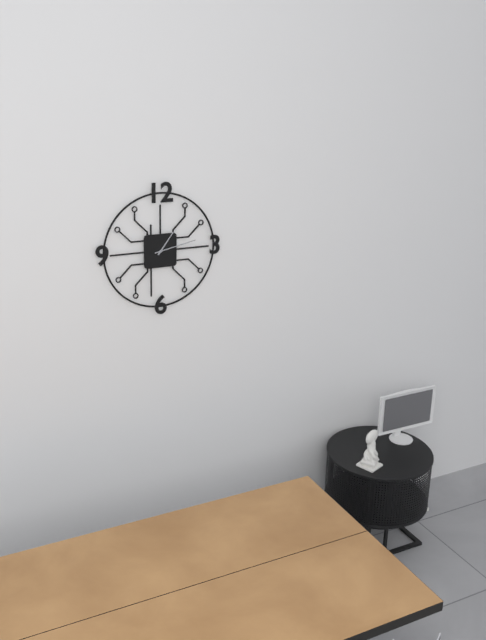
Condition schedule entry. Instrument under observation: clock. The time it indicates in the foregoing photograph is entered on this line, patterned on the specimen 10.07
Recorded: 1.13
